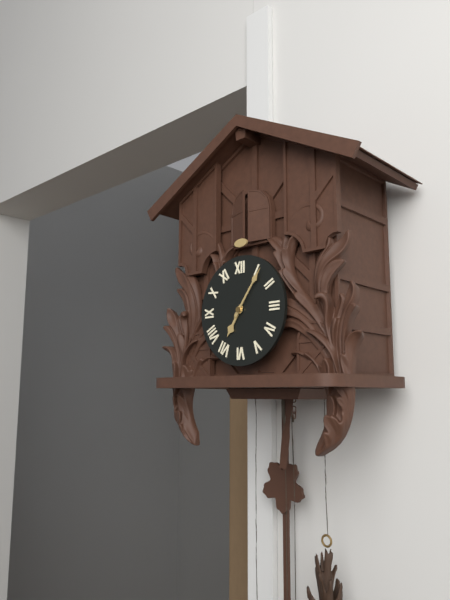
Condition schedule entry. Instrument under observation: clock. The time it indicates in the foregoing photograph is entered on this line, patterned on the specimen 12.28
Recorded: 7.06
